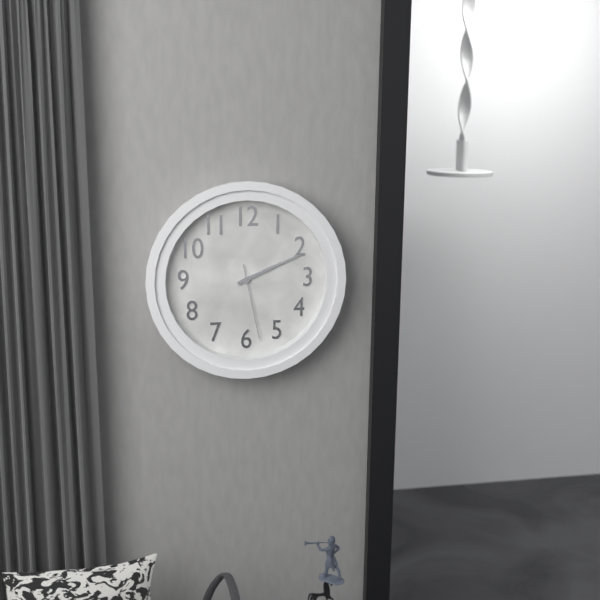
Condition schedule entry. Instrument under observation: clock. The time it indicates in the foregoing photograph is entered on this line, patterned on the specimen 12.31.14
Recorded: 2.11.28
